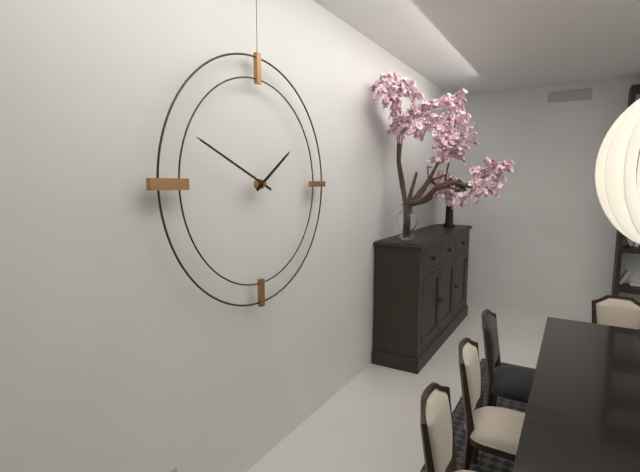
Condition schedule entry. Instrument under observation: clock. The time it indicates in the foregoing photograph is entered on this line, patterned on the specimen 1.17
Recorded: 1.49
